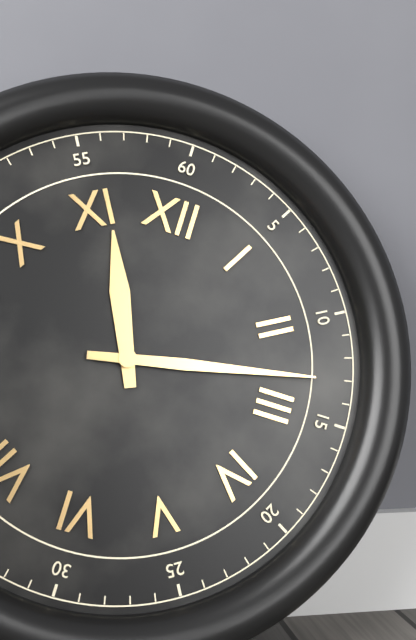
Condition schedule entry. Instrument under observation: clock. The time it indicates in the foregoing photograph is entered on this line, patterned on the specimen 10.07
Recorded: 11.13
